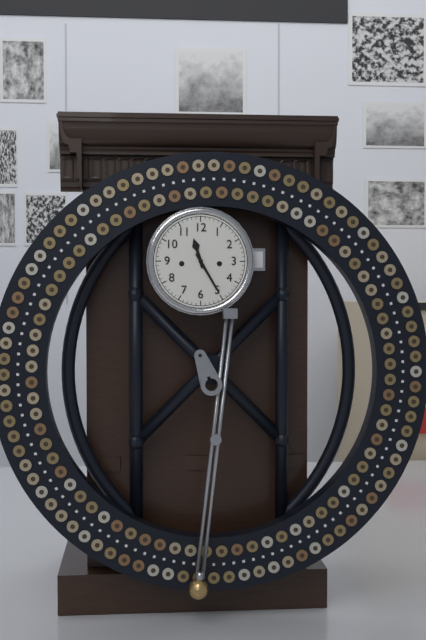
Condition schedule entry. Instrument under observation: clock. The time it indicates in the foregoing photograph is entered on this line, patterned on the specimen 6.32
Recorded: 11.25
